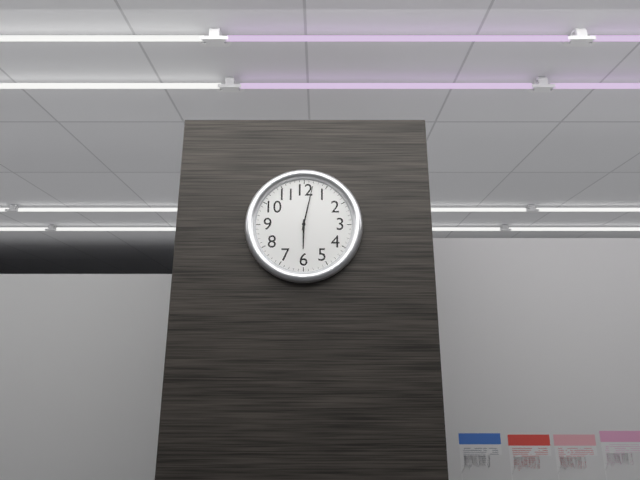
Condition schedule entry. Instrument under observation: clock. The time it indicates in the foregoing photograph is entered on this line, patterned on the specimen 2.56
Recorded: 6.02
